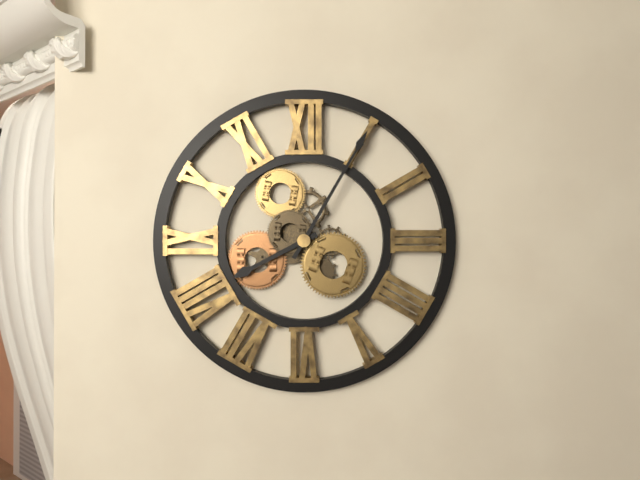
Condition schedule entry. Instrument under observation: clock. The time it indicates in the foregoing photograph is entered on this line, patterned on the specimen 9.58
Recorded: 8.05
